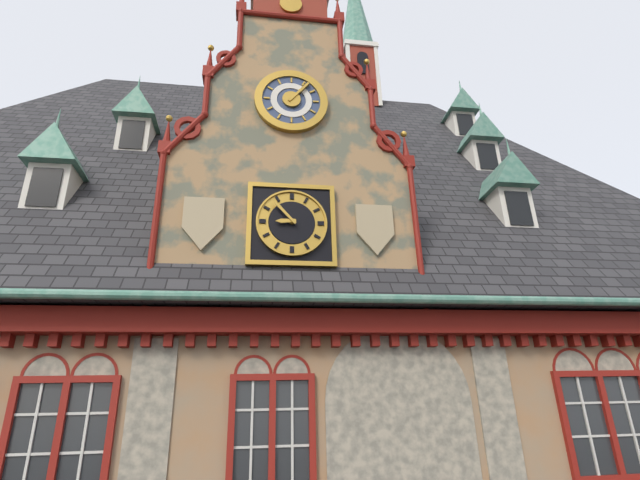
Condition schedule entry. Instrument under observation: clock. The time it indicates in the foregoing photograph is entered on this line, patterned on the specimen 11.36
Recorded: 8.53
